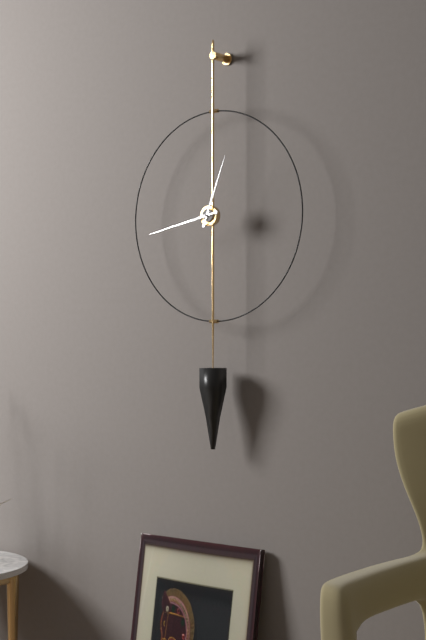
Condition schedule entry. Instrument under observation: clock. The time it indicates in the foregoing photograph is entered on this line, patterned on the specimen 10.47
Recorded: 12.43
